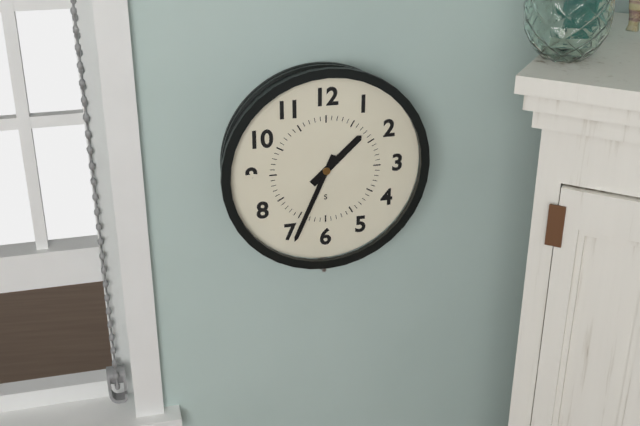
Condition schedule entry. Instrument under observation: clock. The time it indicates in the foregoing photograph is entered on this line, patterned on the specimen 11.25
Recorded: 1.34
